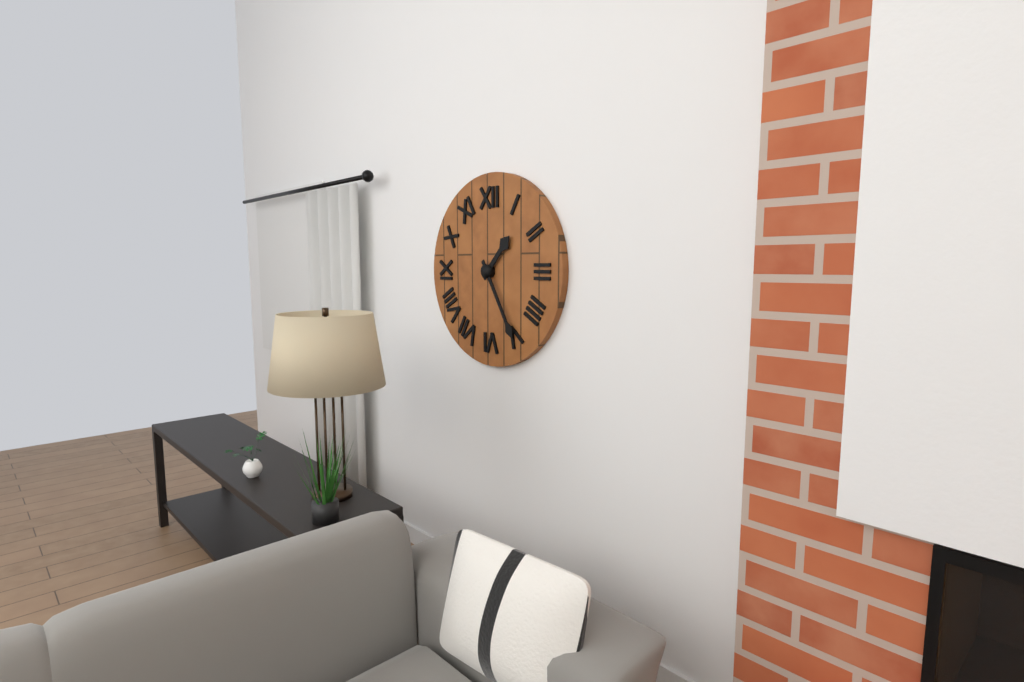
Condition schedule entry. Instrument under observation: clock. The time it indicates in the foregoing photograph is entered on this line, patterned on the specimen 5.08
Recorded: 1.25
